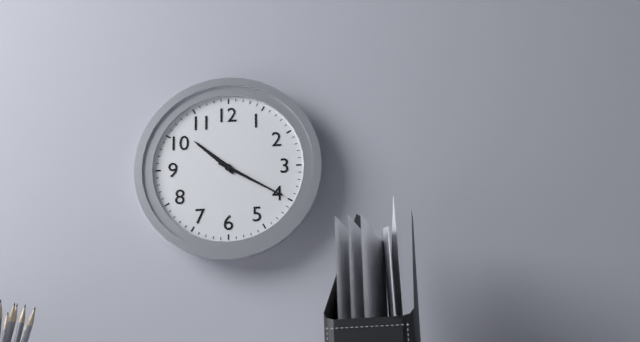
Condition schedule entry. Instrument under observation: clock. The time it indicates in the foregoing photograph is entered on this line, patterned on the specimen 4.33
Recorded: 10.20
